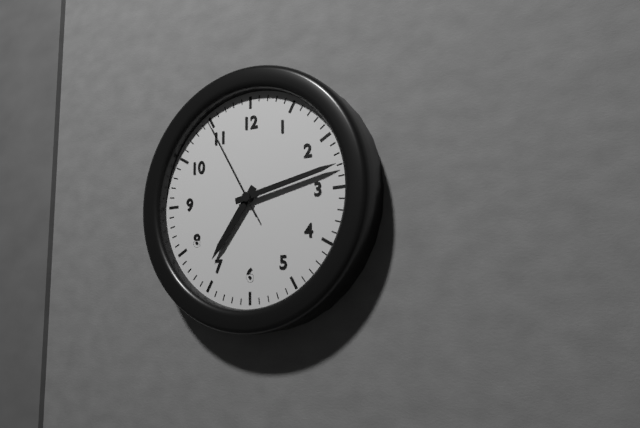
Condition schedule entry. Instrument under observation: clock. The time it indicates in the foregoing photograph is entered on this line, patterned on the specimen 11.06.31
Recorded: 7.13.55
